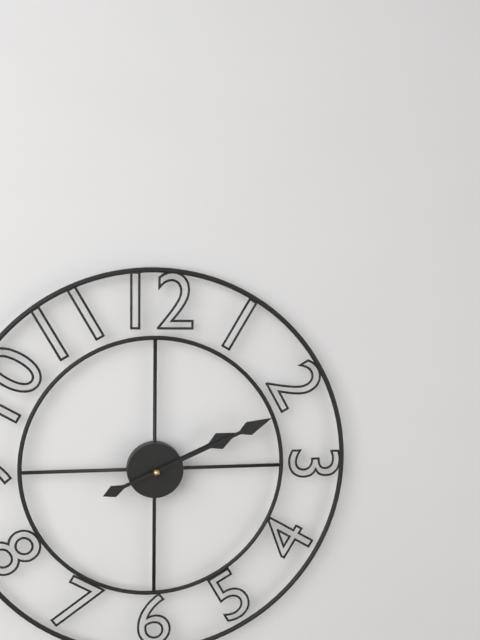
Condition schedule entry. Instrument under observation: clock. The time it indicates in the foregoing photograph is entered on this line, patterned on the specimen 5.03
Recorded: 2.11
